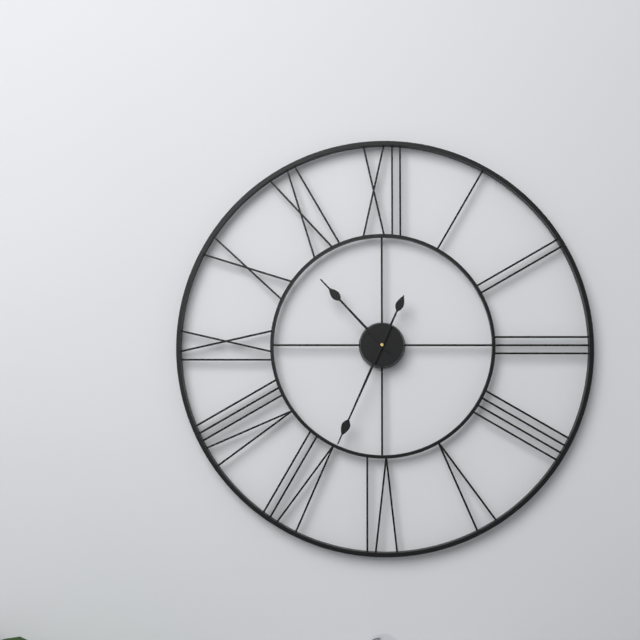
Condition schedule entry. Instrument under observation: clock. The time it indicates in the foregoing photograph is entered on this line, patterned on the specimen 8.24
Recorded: 10.34
